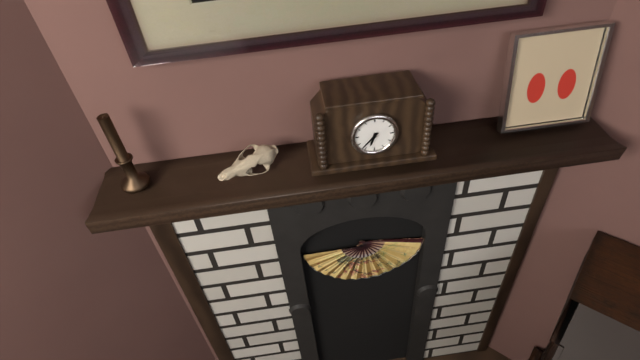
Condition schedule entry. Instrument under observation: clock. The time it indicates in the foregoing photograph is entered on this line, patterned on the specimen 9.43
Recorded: 6.37
